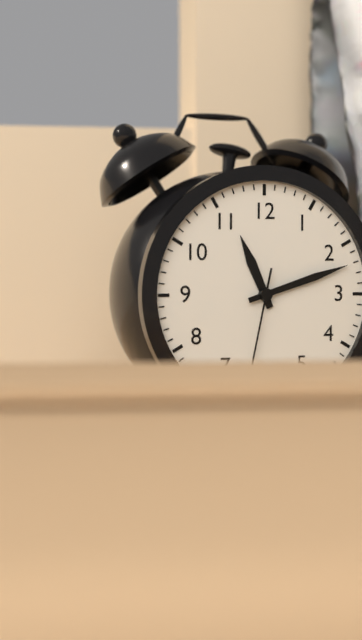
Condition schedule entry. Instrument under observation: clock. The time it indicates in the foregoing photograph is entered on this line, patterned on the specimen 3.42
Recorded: 11.12
